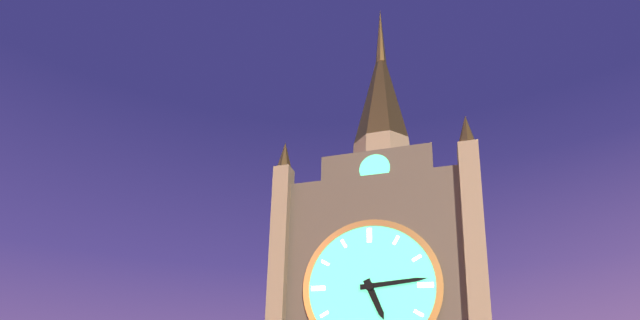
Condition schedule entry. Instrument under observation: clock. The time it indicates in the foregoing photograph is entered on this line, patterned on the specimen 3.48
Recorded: 5.14
